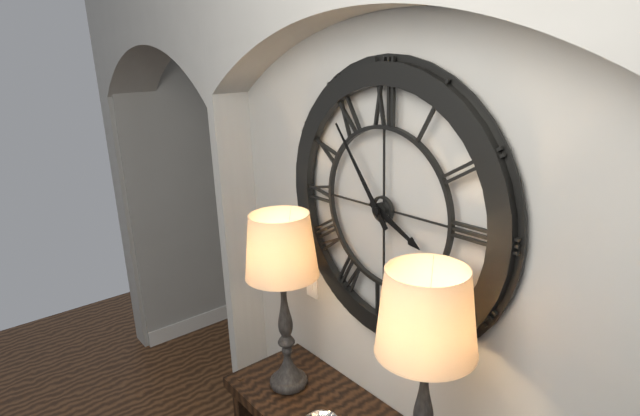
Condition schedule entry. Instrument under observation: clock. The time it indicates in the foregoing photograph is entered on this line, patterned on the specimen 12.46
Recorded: 3.54
